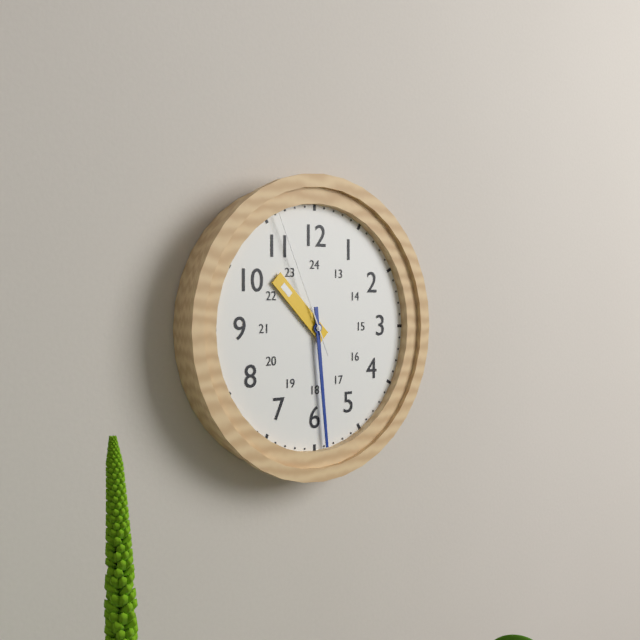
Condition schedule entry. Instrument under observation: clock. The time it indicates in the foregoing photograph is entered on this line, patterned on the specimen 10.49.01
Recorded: 10.29.56
